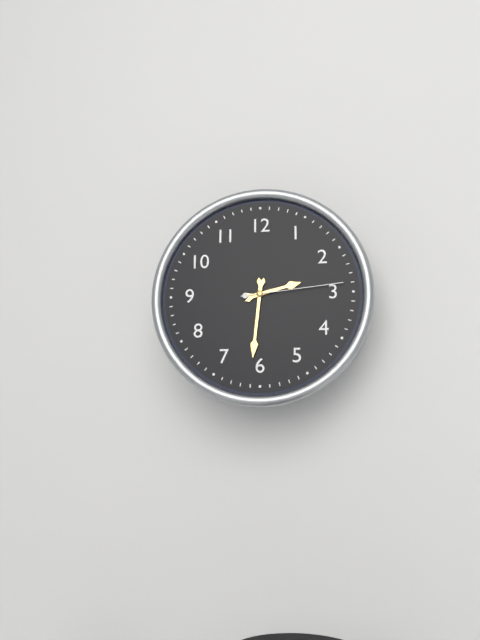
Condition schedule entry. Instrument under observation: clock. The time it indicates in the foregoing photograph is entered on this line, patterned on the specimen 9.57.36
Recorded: 2.31.14
